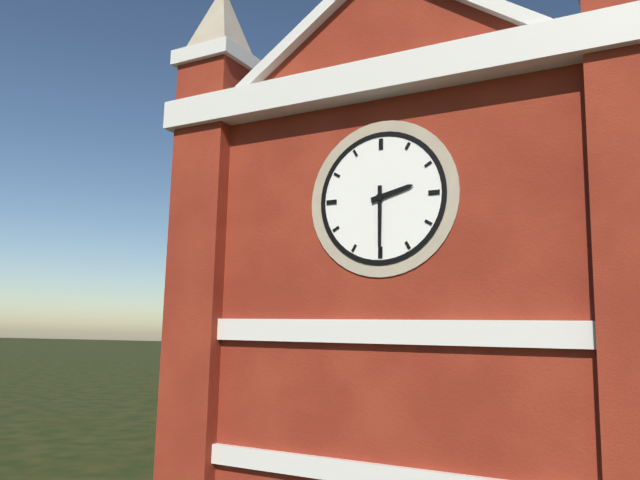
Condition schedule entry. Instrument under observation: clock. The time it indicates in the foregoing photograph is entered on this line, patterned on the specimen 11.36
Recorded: 2.30
